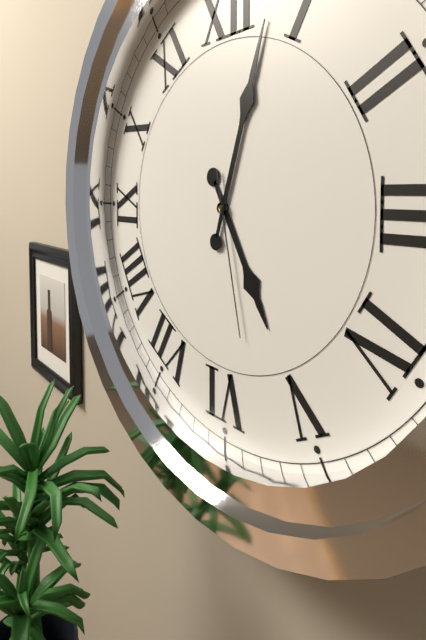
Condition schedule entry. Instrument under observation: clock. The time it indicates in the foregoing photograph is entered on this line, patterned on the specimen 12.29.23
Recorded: 5.03.28
